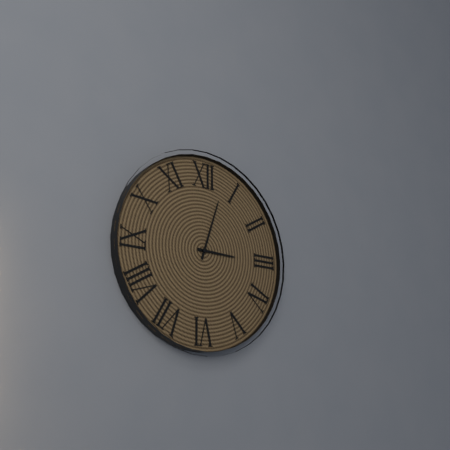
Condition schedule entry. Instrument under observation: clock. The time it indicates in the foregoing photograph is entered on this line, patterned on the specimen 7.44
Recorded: 3.03
